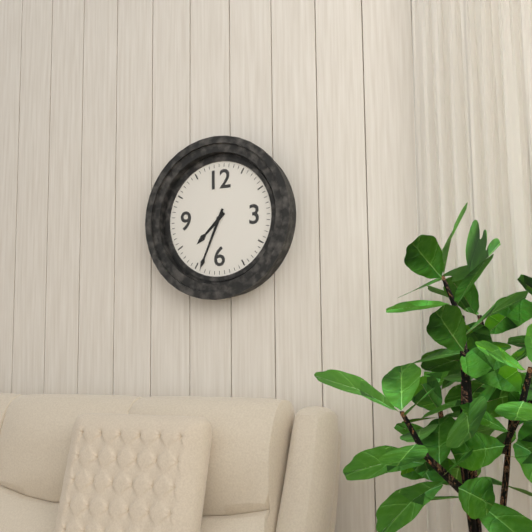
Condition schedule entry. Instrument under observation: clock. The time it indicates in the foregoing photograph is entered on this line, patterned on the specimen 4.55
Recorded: 7.34
